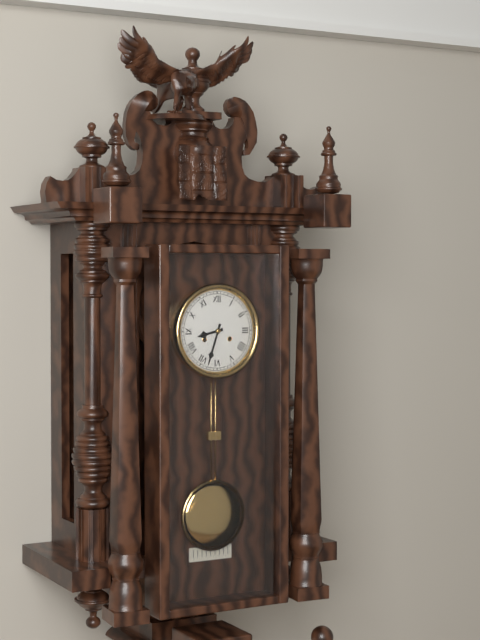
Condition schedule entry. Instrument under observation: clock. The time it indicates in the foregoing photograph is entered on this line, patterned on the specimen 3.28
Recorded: 8.33
